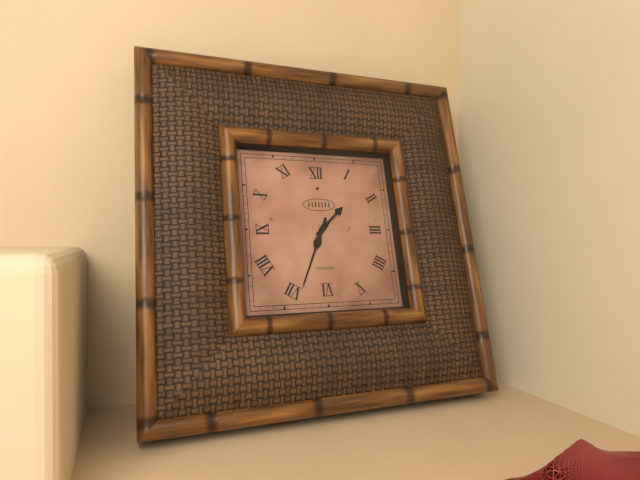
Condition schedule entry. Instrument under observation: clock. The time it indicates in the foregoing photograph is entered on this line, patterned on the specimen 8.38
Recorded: 1.34
